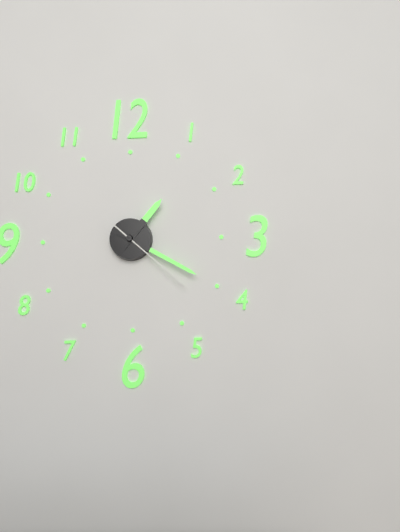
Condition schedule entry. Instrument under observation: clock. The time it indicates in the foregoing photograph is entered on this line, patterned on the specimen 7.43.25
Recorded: 1.20.22
